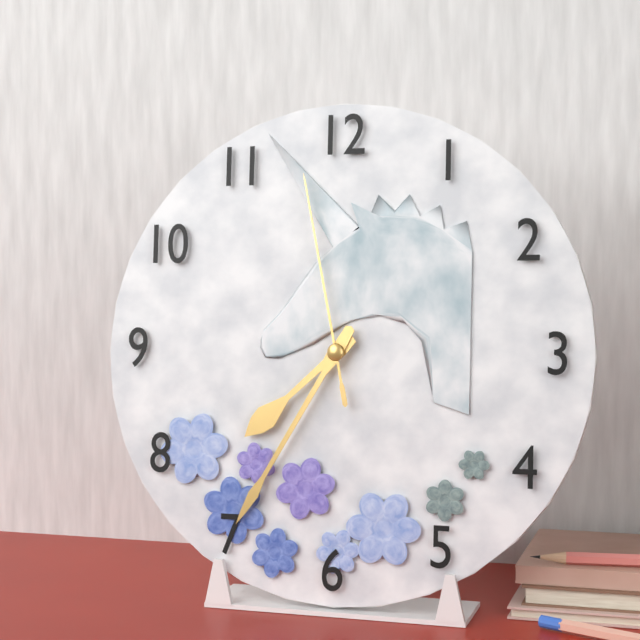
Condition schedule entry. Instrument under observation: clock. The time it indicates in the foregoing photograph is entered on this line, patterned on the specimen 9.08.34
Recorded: 7.35.58
